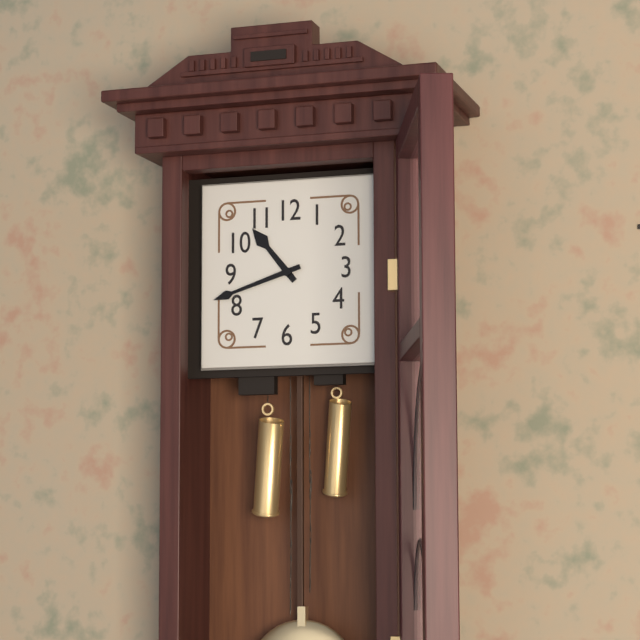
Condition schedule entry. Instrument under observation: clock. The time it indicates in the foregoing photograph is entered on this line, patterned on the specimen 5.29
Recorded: 10.42
